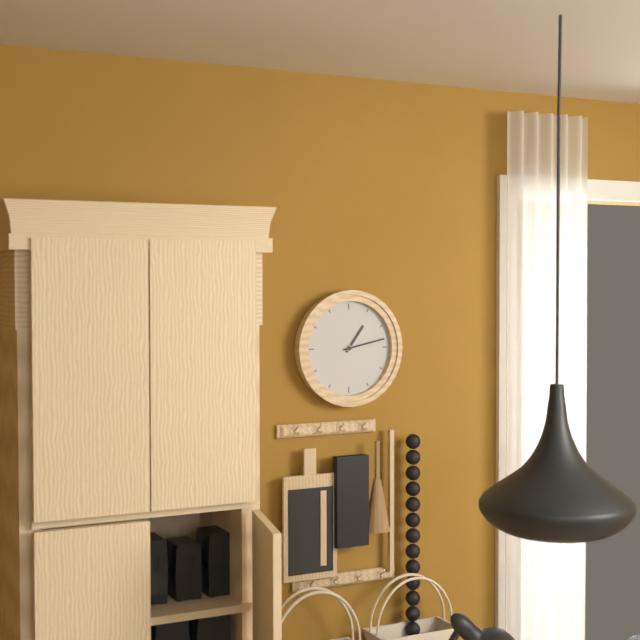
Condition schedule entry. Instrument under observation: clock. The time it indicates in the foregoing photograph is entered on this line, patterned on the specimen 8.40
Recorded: 1.13
